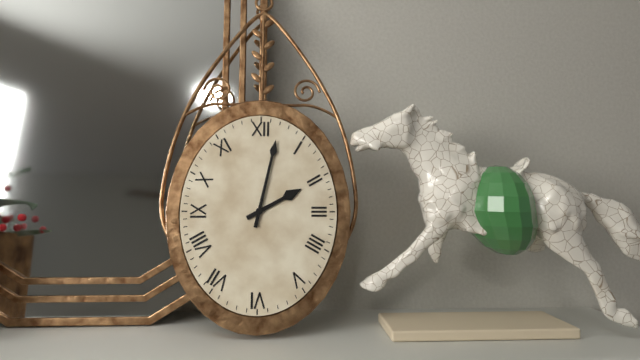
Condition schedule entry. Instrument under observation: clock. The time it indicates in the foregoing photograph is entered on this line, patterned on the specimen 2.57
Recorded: 2.02
